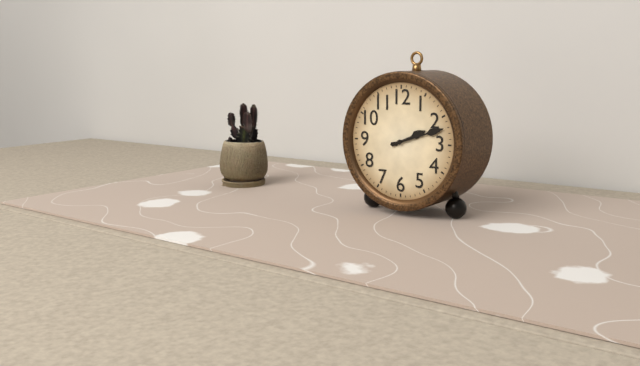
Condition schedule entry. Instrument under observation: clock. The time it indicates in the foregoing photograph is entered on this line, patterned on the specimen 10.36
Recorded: 2.12
